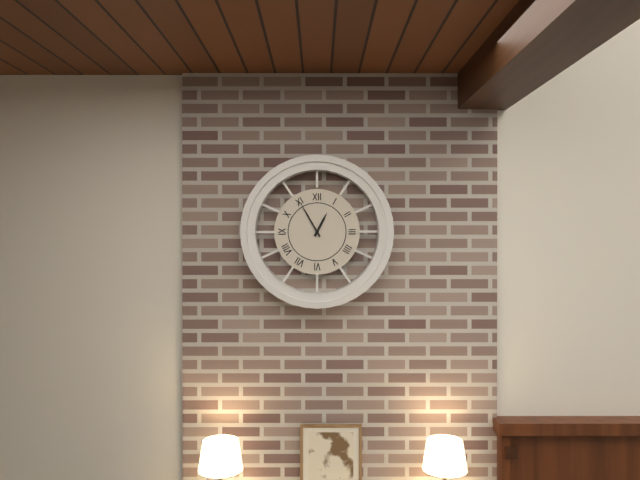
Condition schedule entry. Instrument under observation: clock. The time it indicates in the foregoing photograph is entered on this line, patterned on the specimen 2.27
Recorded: 12.55
